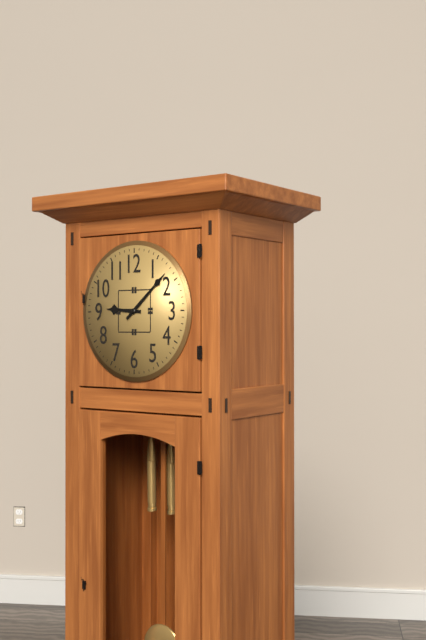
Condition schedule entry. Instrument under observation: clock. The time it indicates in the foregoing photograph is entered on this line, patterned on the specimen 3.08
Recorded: 9.08
